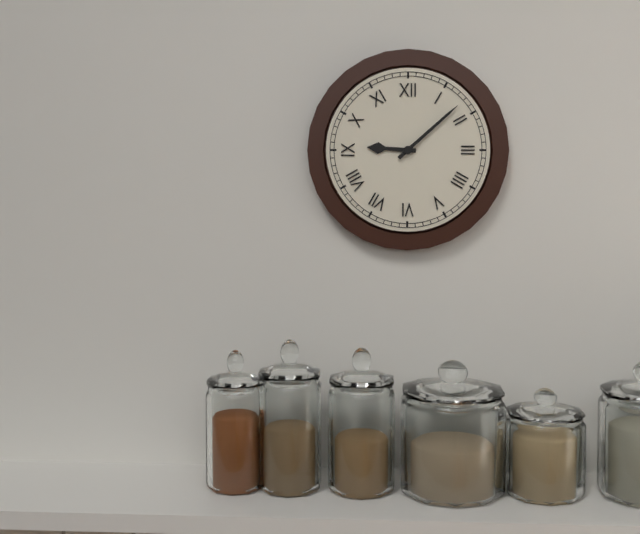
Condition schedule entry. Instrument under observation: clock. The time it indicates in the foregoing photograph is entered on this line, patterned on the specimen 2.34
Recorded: 9.08
